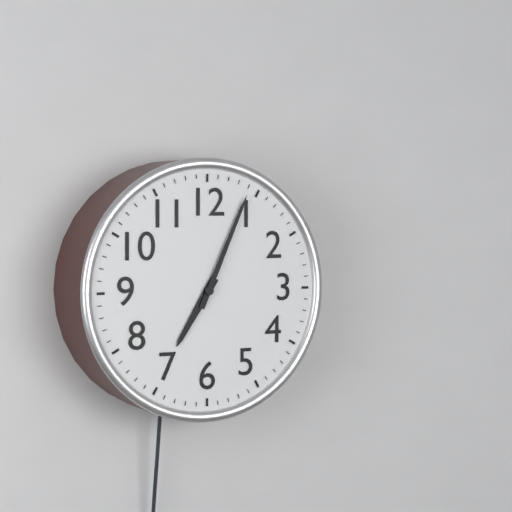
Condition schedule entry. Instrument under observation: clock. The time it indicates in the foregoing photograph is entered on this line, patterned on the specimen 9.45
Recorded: 7.04
